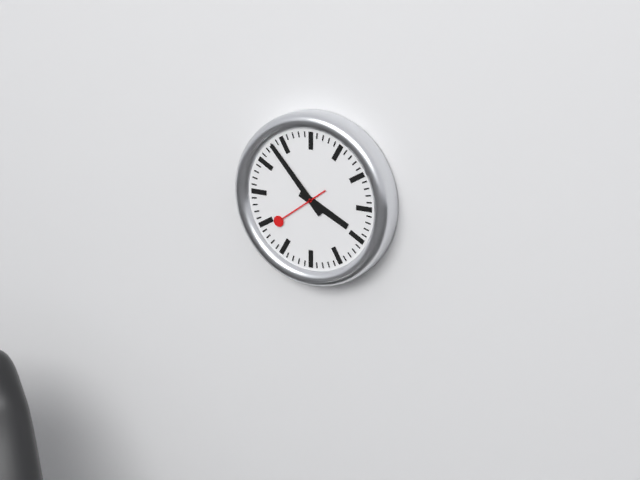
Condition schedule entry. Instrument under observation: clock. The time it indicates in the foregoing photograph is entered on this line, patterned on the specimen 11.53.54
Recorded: 3.53.39
